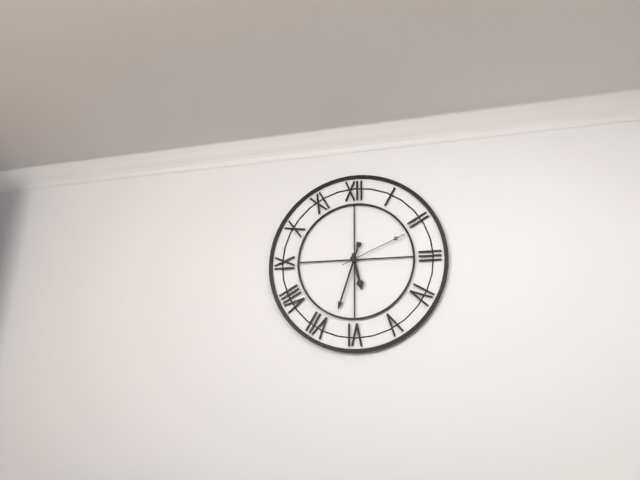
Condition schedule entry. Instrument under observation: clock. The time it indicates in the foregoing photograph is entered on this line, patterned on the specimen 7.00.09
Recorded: 5.33.11
